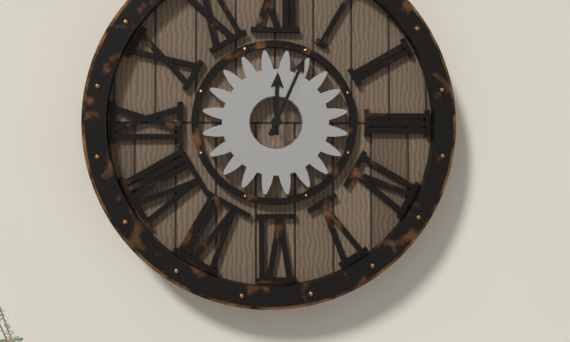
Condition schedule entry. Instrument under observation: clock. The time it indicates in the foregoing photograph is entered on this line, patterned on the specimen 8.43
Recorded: 12.04
